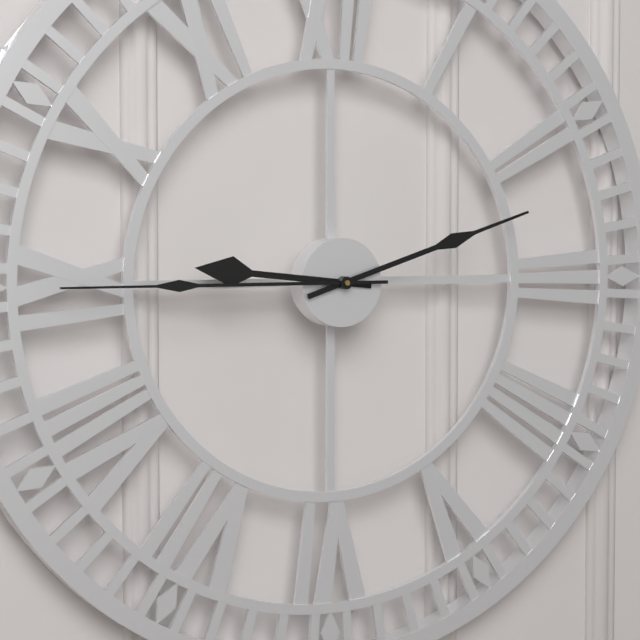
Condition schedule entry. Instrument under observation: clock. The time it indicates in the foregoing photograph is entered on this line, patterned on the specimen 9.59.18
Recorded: 9.12.45
